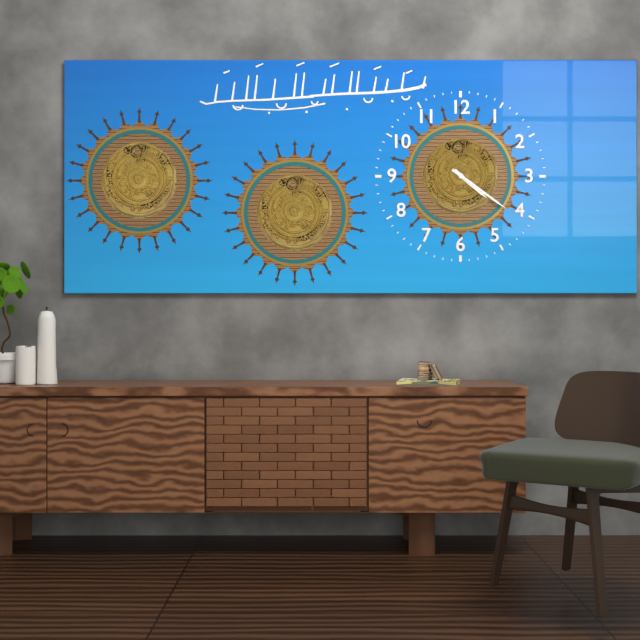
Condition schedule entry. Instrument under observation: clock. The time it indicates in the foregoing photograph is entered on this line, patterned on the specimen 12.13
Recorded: 4.21
